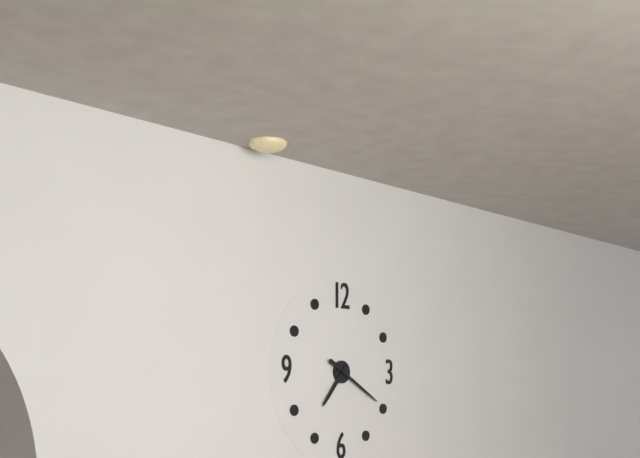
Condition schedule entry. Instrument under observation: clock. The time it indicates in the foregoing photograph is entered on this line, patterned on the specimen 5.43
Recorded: 7.20
